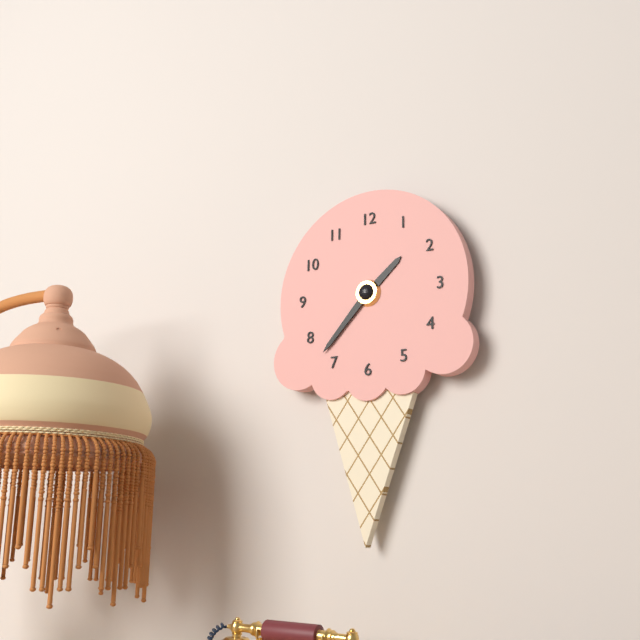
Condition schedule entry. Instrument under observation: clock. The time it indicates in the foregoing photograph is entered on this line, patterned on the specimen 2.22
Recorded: 1.37
